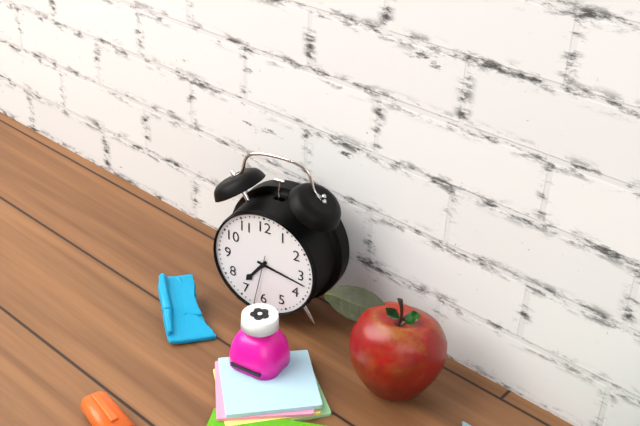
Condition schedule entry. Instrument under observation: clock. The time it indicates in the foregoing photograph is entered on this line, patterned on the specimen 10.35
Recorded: 7.17
